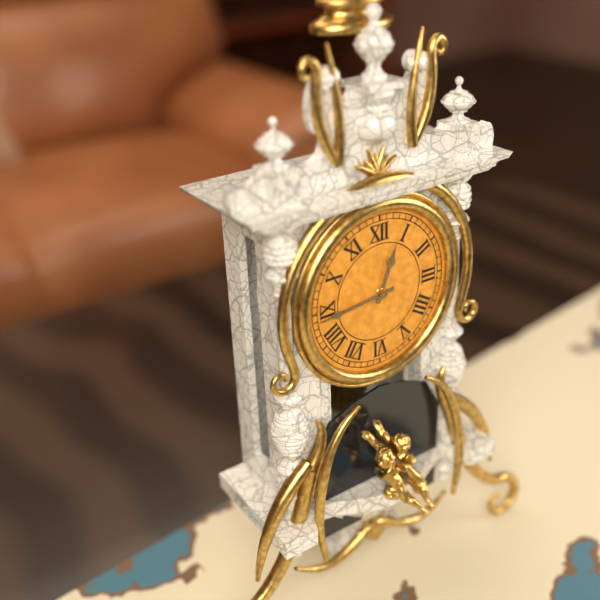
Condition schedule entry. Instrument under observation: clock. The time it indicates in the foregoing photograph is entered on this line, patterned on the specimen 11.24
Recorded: 12.44
